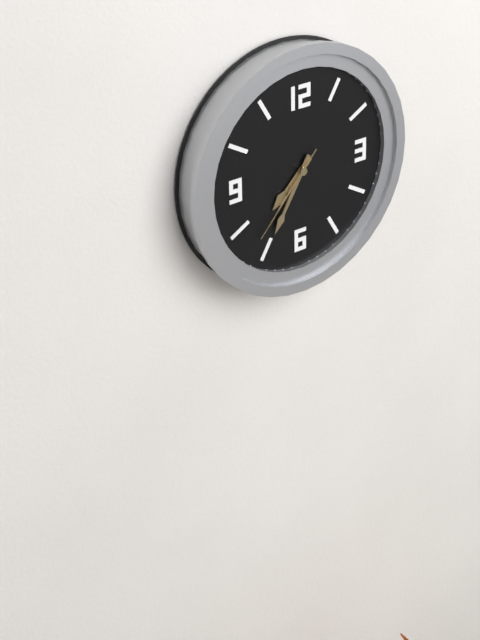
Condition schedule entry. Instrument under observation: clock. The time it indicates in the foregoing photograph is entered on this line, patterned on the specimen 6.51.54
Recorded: 7.35.37
